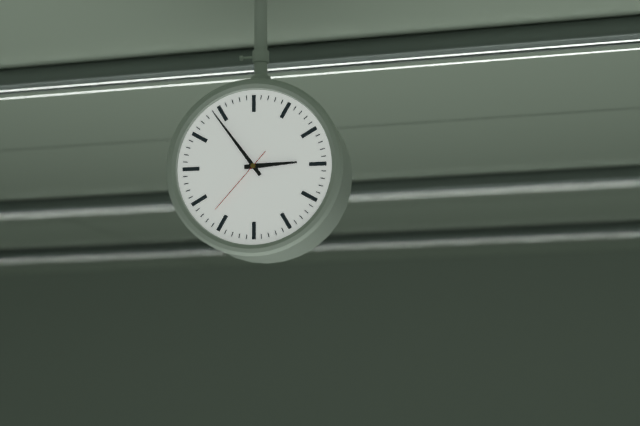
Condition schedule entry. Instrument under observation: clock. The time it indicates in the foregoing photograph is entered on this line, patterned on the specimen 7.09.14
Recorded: 2.54.37
